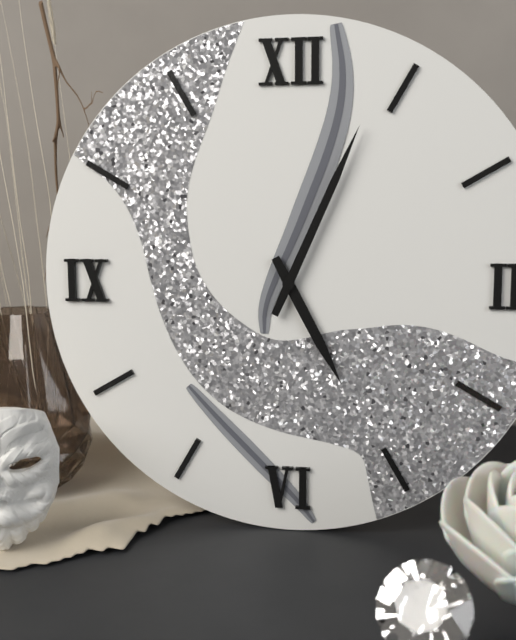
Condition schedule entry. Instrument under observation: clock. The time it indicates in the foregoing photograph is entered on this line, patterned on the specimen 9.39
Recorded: 5.04
